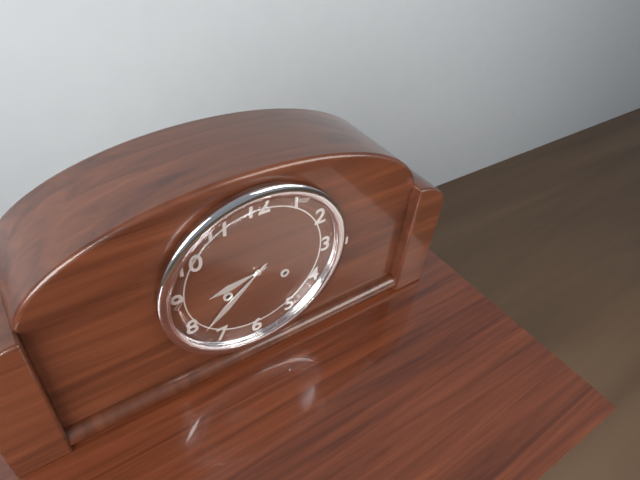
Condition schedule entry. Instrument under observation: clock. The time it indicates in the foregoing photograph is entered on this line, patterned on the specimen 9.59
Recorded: 8.38
